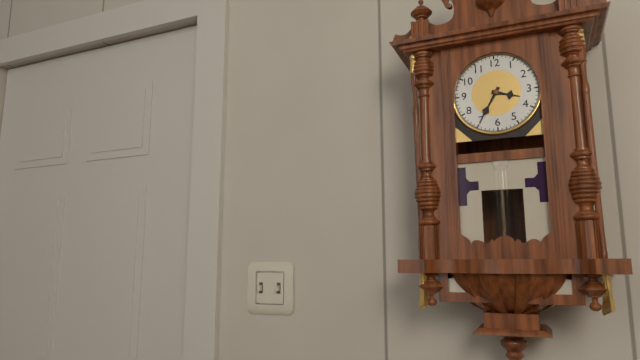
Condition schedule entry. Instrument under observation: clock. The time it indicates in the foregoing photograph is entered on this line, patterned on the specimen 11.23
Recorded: 3.35
